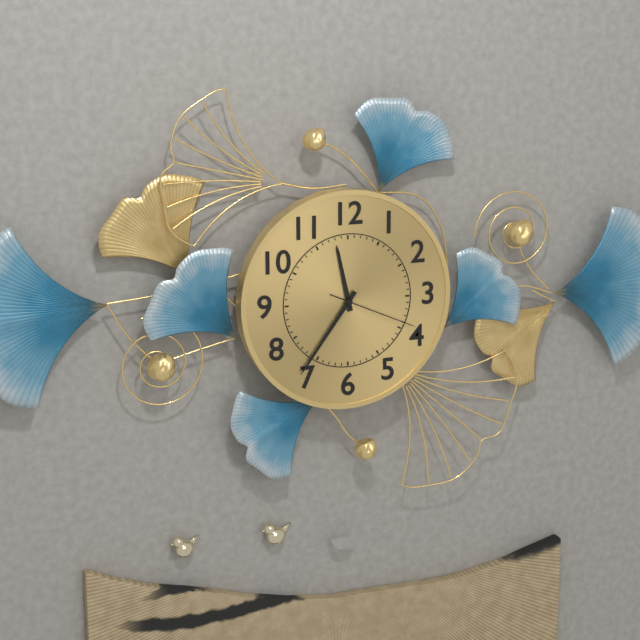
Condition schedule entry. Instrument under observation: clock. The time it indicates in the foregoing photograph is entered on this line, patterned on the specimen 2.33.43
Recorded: 11.36.19
